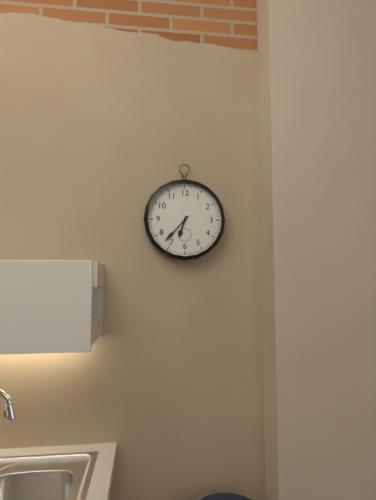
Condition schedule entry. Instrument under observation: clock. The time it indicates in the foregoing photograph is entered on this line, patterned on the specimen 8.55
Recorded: 6.37
